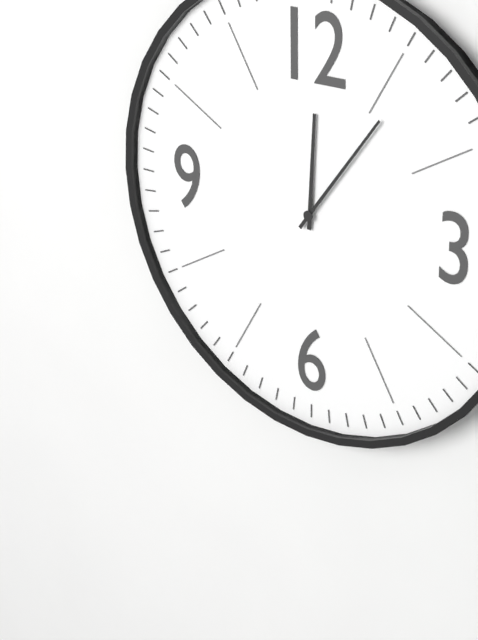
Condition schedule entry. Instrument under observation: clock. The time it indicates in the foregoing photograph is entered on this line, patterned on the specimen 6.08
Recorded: 12.06
